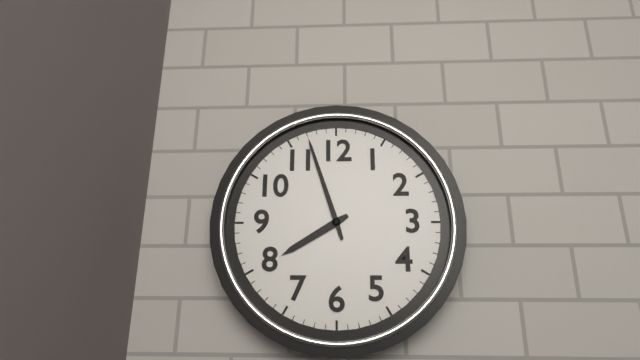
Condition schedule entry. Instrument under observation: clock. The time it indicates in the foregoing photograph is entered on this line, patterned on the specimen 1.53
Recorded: 7.57
